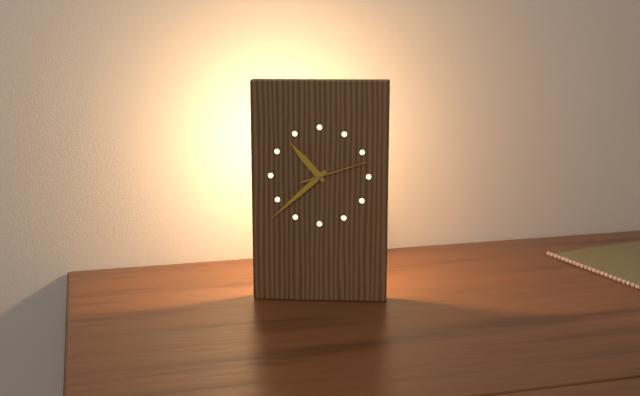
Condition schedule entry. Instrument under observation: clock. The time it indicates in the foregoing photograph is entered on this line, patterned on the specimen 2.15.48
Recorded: 10.38.12
